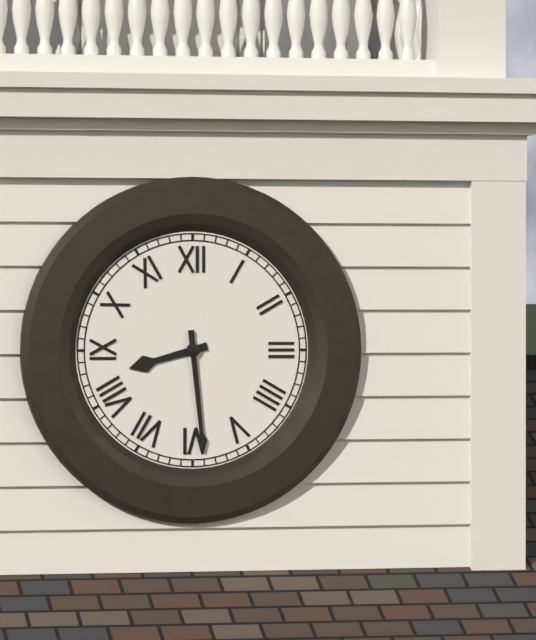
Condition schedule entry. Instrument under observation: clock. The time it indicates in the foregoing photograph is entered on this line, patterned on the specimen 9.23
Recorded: 8.29
